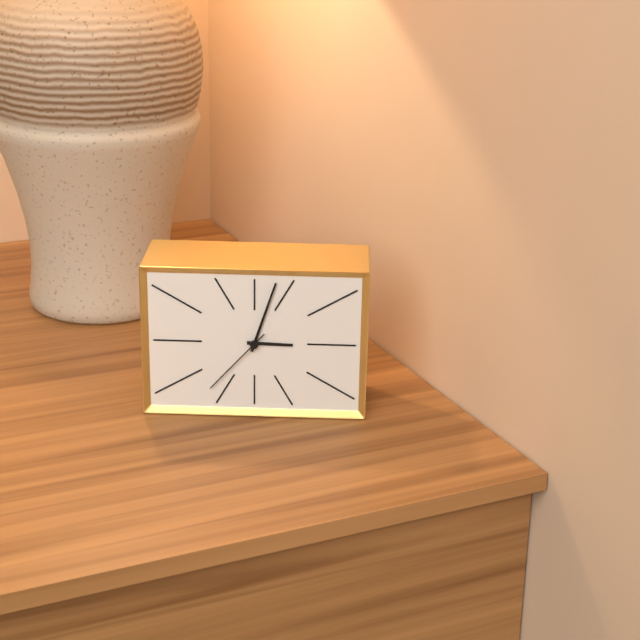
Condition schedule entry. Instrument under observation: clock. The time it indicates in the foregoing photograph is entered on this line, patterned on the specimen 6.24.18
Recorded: 3.03.37
